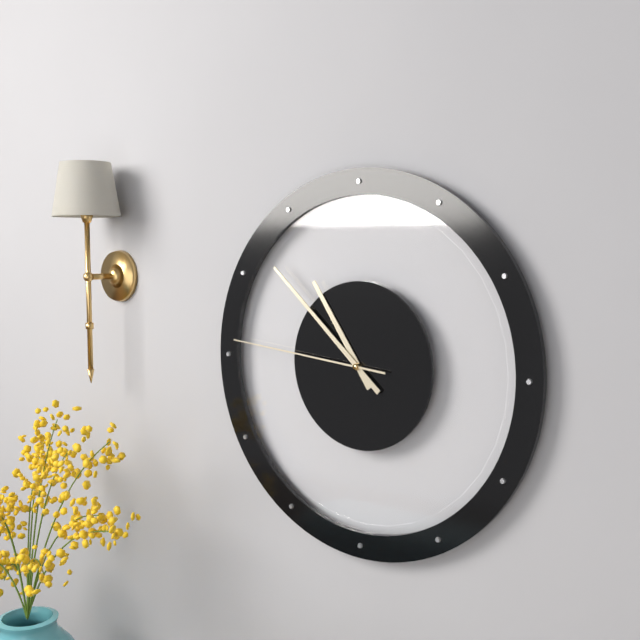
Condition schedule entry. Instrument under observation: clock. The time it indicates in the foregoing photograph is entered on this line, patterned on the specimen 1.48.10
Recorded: 10.52.46
